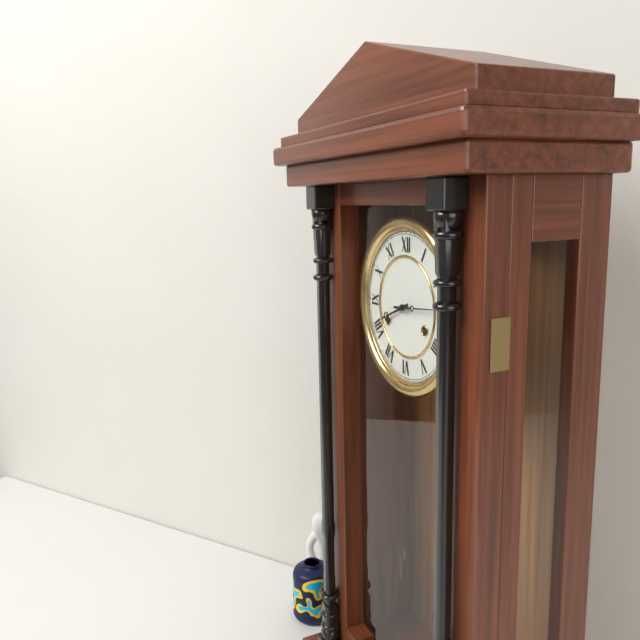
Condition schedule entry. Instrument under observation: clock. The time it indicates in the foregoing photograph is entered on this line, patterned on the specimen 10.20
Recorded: 8.14
